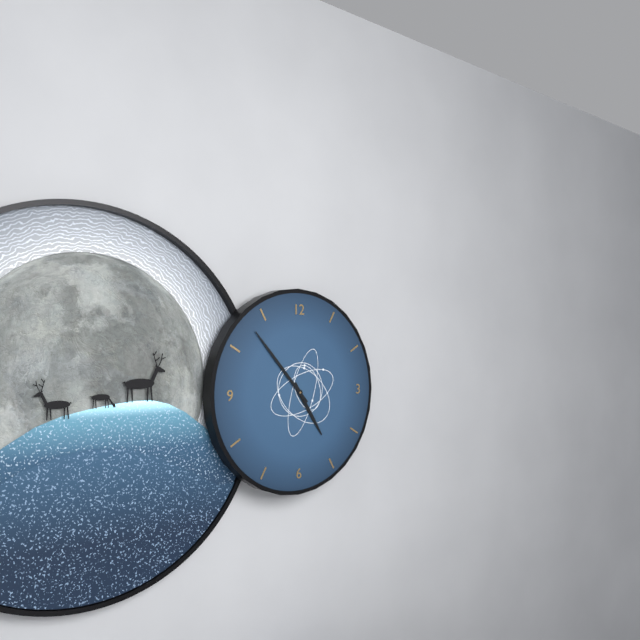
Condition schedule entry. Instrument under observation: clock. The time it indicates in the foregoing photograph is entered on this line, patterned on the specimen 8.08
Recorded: 4.53
